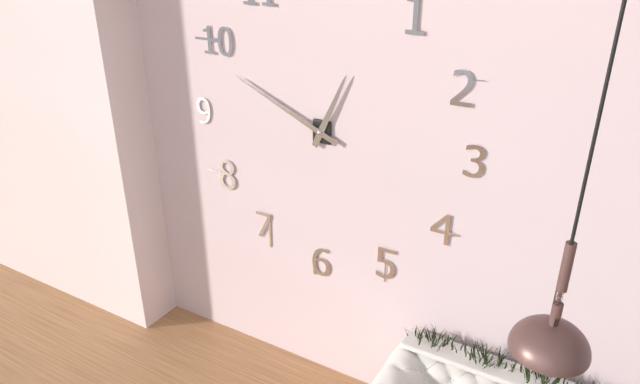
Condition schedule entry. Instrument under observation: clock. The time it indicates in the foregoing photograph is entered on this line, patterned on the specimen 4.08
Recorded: 12.49
